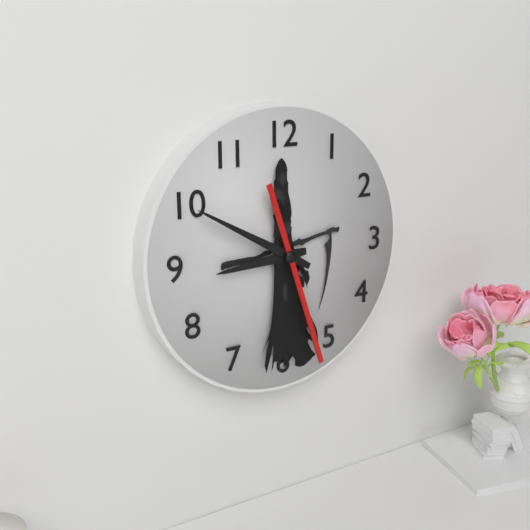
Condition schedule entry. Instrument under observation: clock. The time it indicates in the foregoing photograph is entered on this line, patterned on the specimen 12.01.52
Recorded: 8.50.27
